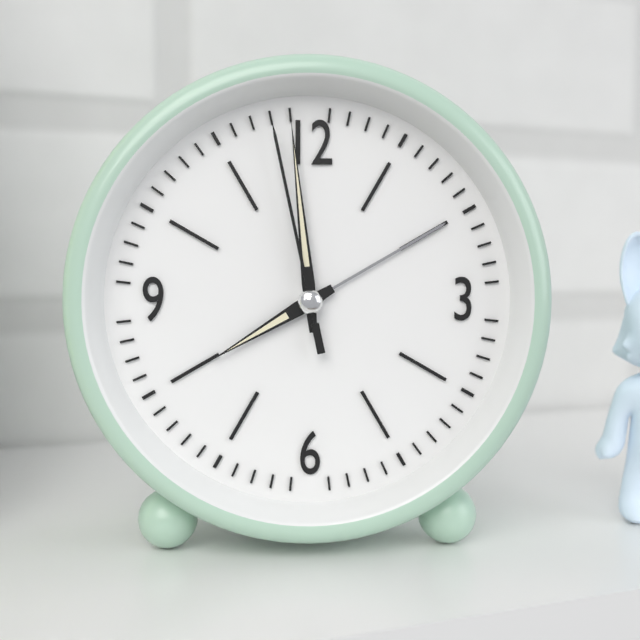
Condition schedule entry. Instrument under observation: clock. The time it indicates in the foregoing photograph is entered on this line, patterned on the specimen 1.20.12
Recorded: 7.59.58
